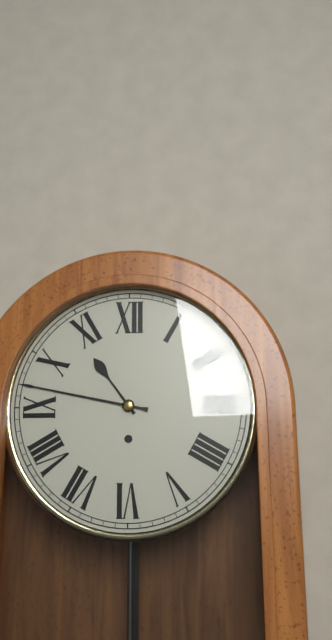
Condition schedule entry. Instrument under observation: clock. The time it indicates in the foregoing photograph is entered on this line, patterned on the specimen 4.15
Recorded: 10.47
